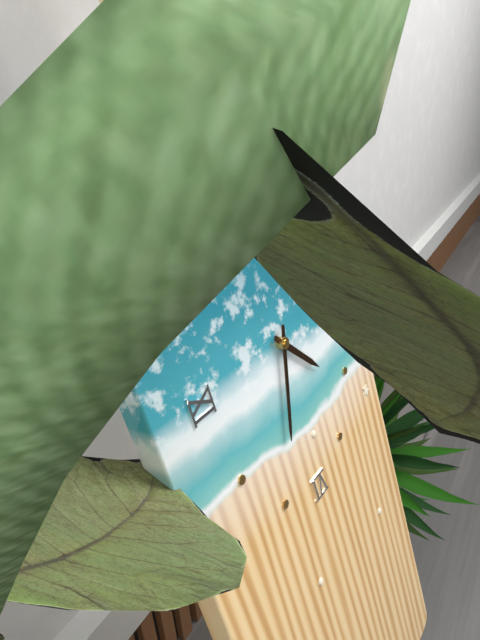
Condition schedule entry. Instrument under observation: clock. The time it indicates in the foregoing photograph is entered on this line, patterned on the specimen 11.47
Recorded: 4.33
